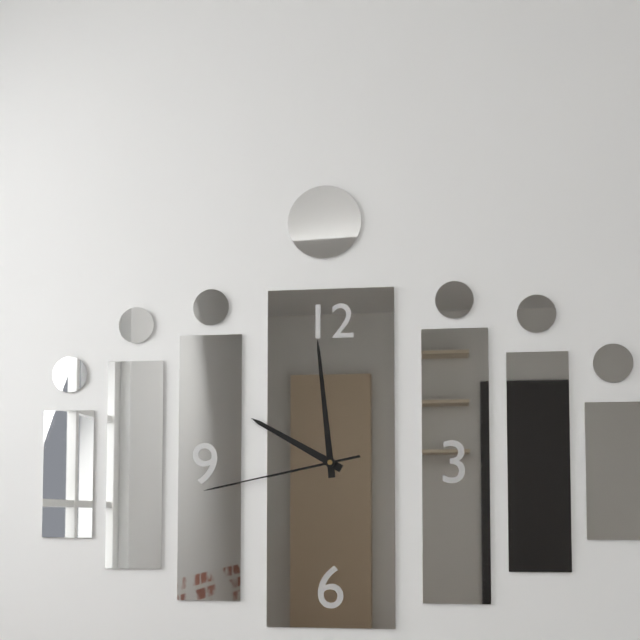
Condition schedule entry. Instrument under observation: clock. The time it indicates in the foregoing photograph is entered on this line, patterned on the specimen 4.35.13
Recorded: 9.59.43
